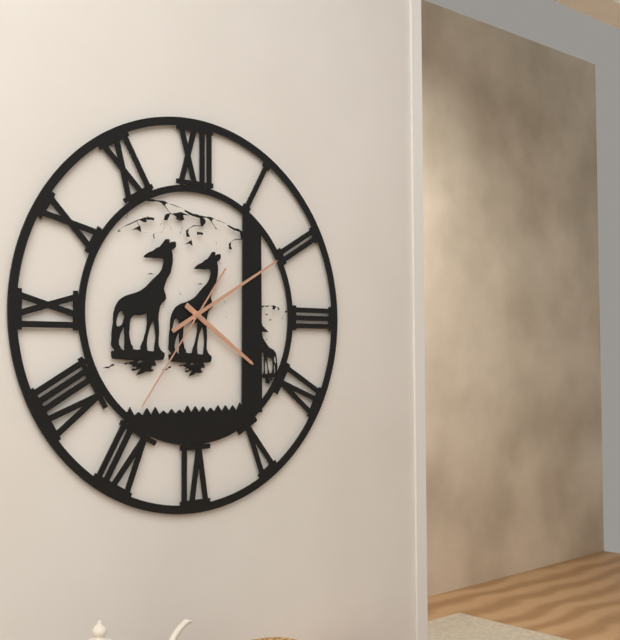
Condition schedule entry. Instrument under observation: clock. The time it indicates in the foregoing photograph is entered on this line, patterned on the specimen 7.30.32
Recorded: 4.10.36
